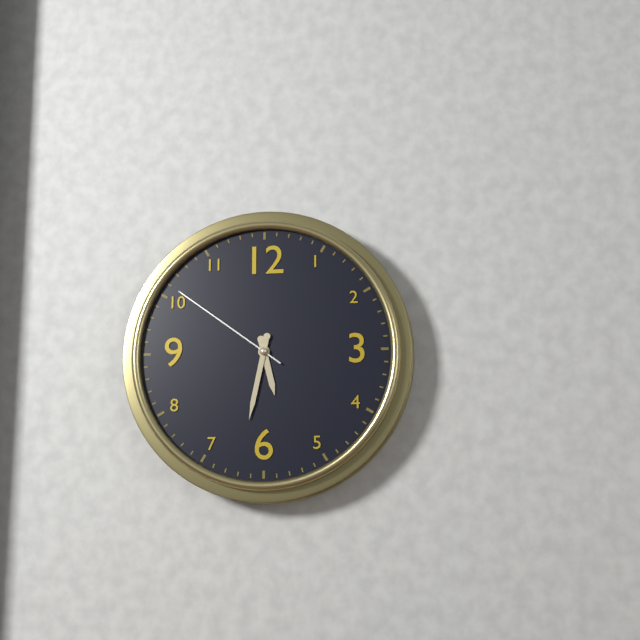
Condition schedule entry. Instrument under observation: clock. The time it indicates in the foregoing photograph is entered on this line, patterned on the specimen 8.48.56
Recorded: 5.32.51
